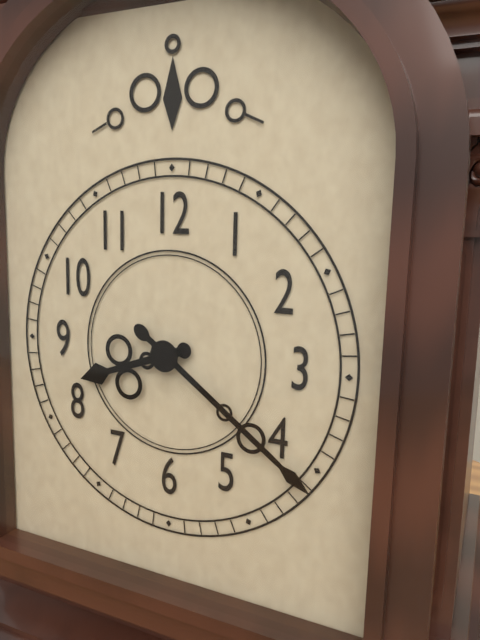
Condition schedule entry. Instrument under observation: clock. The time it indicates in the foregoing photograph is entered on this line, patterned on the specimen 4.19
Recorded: 8.21
